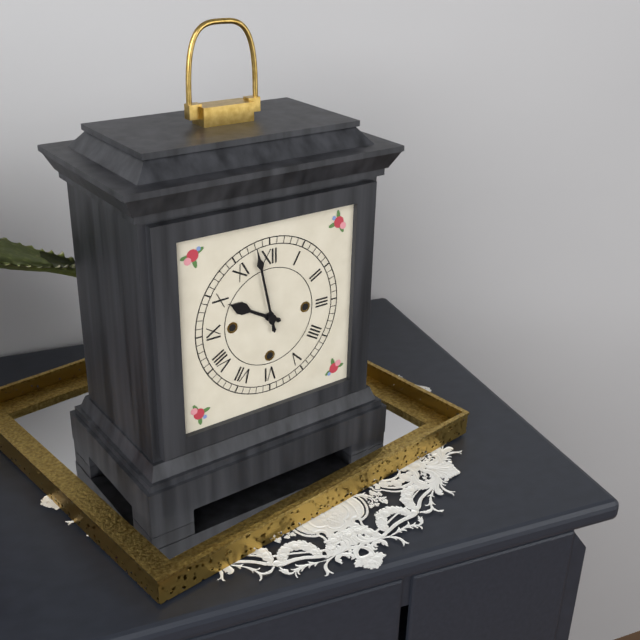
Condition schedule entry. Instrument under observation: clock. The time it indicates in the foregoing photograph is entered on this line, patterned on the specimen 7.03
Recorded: 9.58
